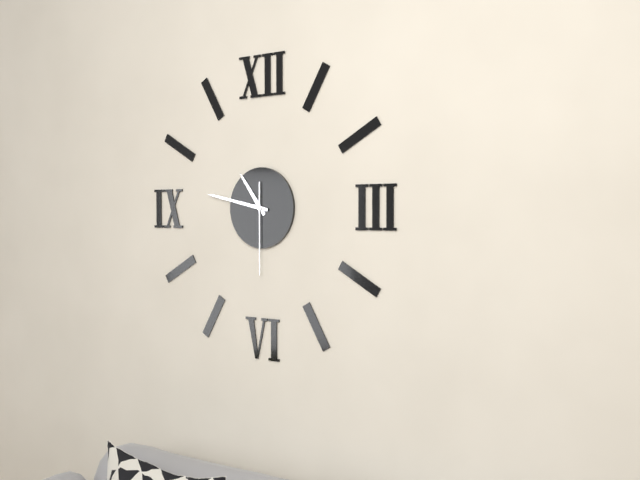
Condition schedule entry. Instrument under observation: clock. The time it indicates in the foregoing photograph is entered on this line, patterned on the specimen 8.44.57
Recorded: 10.47.30
